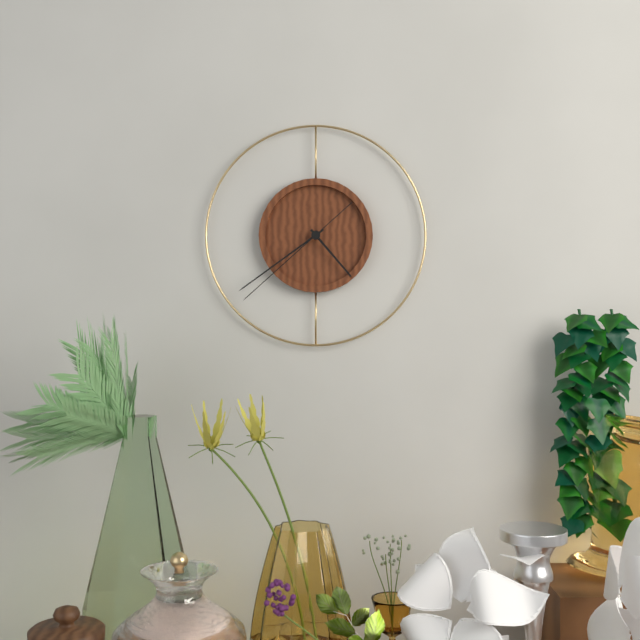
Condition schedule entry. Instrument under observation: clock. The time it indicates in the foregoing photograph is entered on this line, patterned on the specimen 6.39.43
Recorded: 4.39.38
